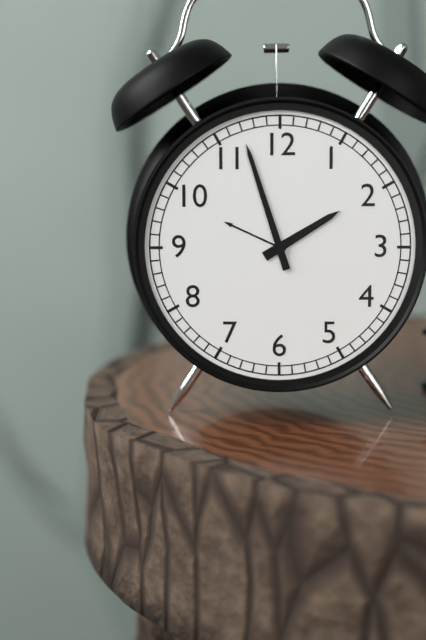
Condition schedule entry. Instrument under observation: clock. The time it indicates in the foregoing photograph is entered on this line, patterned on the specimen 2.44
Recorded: 1.57
